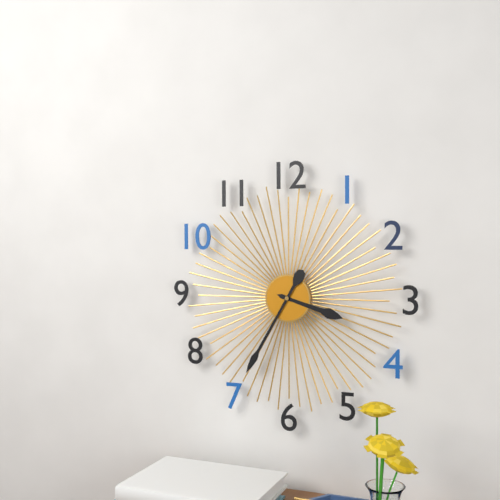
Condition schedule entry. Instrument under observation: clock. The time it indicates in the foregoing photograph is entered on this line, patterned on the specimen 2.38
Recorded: 3.35
